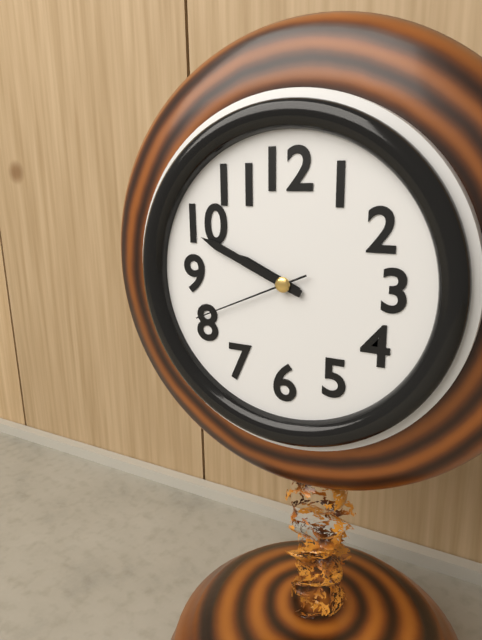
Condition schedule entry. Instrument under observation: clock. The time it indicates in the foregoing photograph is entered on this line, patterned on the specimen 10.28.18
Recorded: 9.49.41
